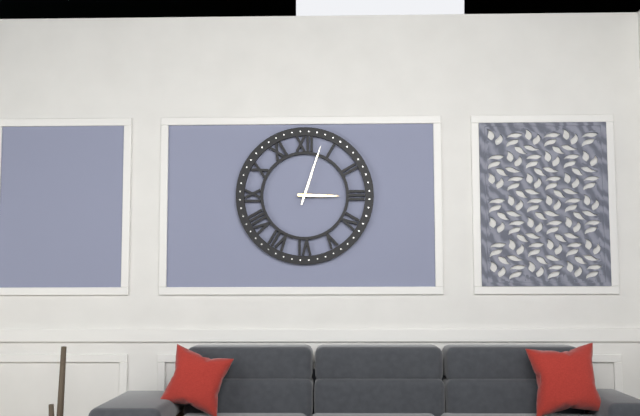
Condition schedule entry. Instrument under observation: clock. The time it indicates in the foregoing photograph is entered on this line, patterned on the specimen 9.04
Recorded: 3.03
